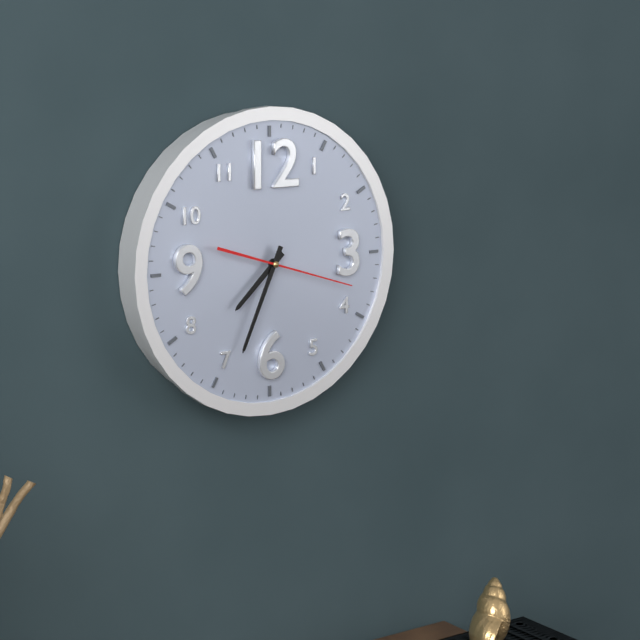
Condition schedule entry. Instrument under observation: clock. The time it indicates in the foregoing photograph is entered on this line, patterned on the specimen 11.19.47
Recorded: 7.34.18
